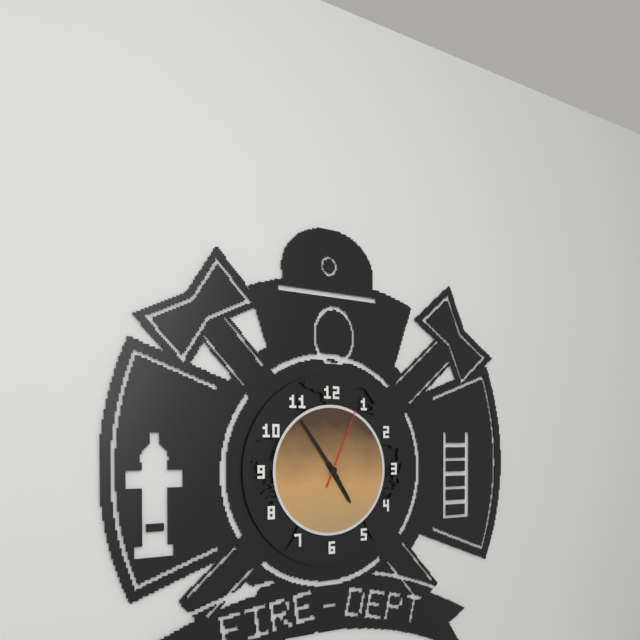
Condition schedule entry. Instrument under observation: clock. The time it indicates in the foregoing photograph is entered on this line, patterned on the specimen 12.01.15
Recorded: 4.54.04
